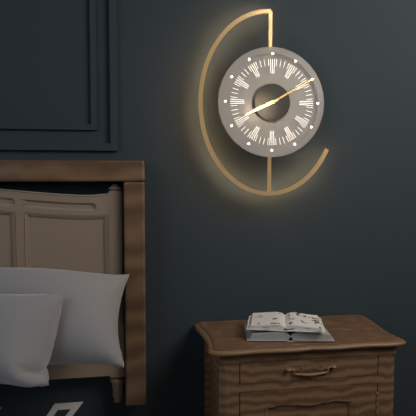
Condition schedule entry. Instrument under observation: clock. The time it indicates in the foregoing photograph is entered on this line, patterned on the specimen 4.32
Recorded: 8.10
